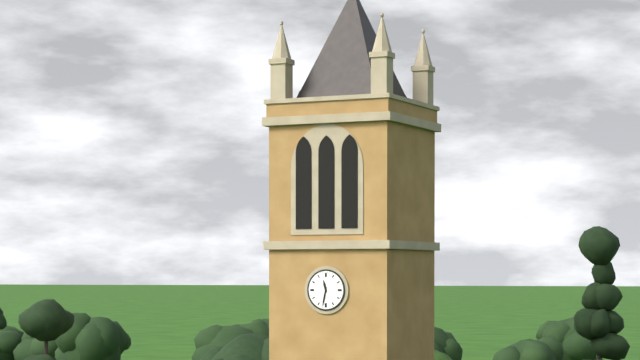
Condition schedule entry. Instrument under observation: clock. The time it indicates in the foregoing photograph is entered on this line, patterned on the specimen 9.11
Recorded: 11.32
